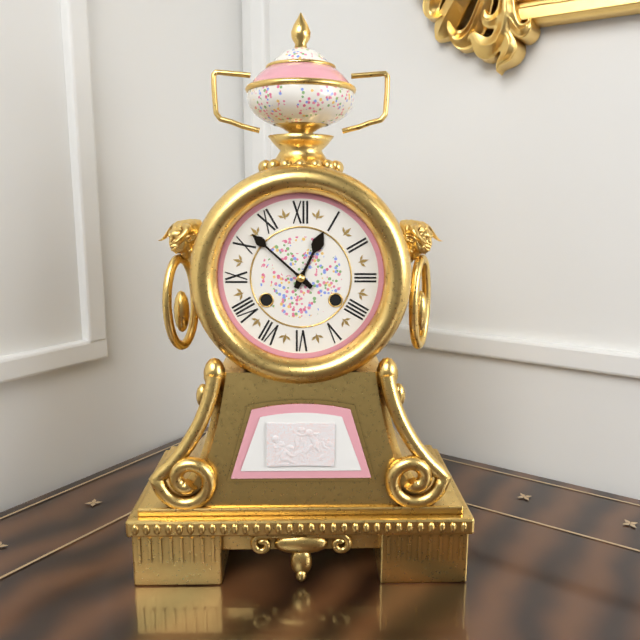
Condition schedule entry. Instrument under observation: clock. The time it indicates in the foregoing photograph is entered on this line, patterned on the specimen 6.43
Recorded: 12.52
